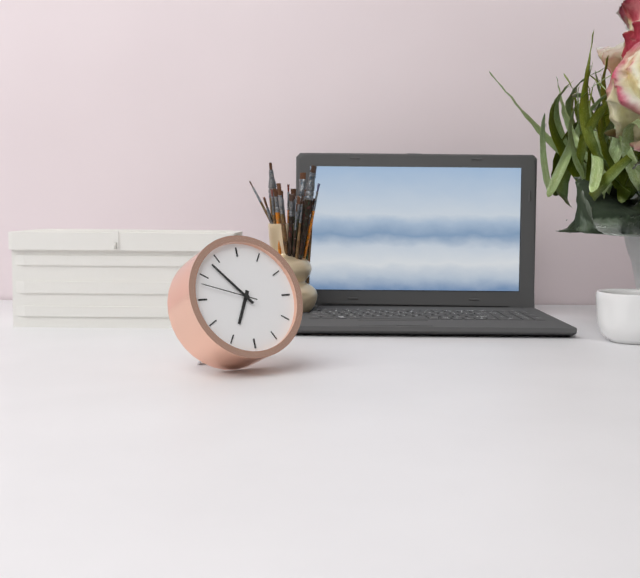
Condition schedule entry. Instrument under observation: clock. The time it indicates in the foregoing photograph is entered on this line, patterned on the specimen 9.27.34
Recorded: 6.53.48
